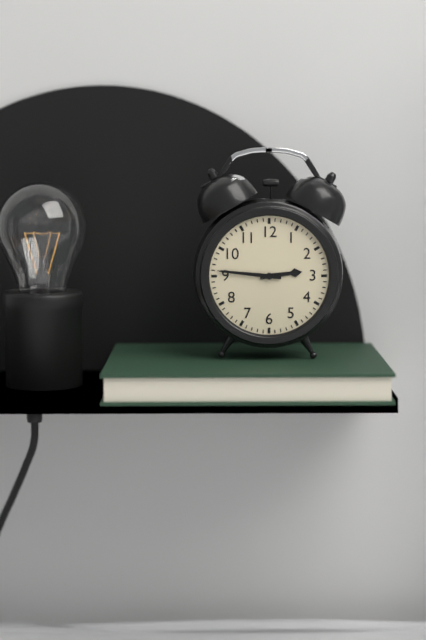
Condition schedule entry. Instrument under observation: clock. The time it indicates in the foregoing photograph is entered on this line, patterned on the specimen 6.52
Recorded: 2.46
